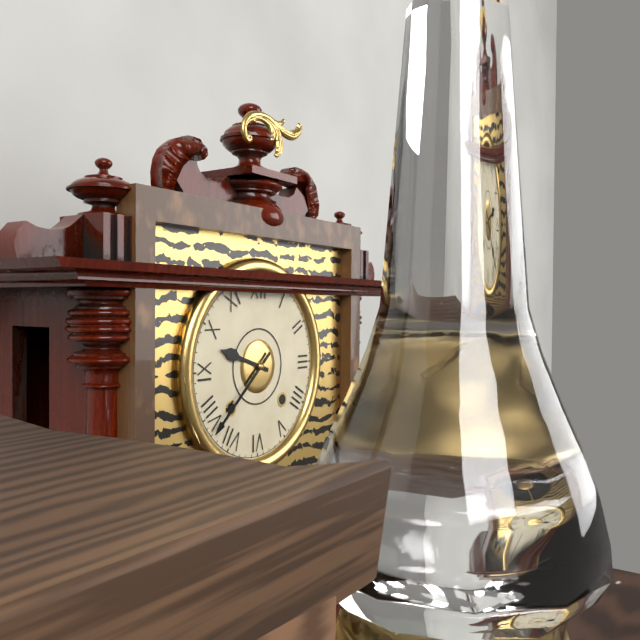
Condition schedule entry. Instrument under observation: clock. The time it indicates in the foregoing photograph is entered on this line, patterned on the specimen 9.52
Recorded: 9.38
